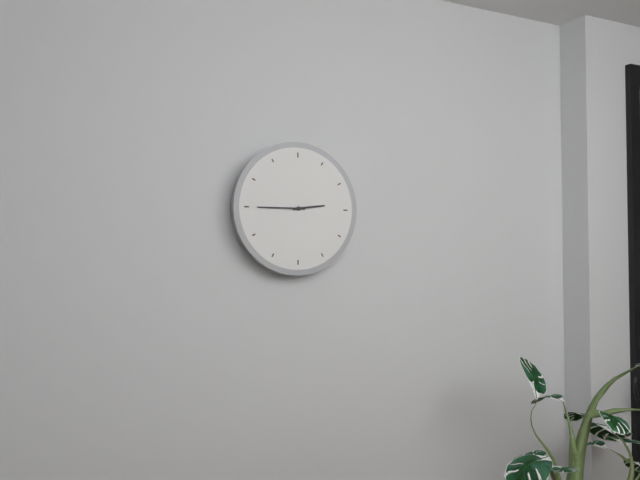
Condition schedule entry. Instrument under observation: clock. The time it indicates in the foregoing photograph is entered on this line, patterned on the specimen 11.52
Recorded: 2.45
